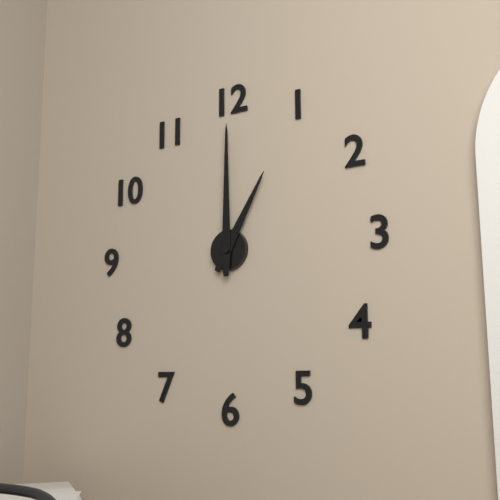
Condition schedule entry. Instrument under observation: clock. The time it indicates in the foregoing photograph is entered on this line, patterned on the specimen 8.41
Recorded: 1.00
